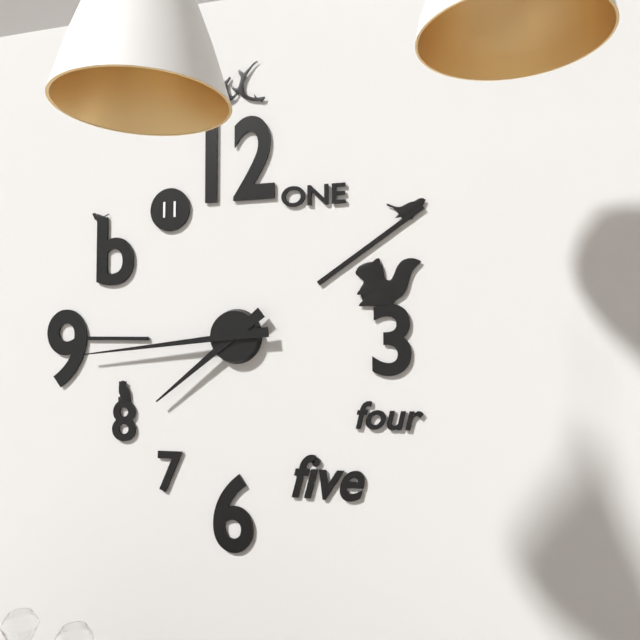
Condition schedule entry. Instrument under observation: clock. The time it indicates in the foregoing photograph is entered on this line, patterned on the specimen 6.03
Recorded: 7.44
